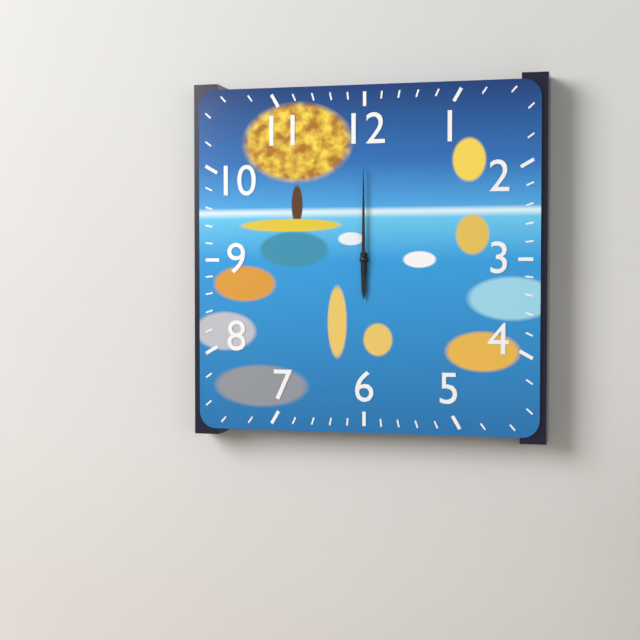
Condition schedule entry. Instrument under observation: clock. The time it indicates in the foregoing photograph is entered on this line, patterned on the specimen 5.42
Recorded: 6.00
